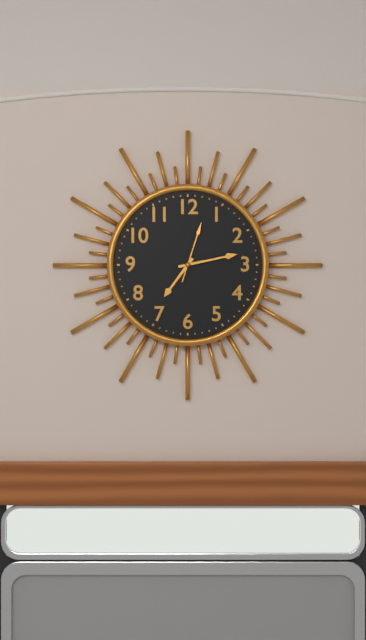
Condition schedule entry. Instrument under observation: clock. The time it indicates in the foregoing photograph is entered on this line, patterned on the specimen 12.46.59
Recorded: 7.13.03
